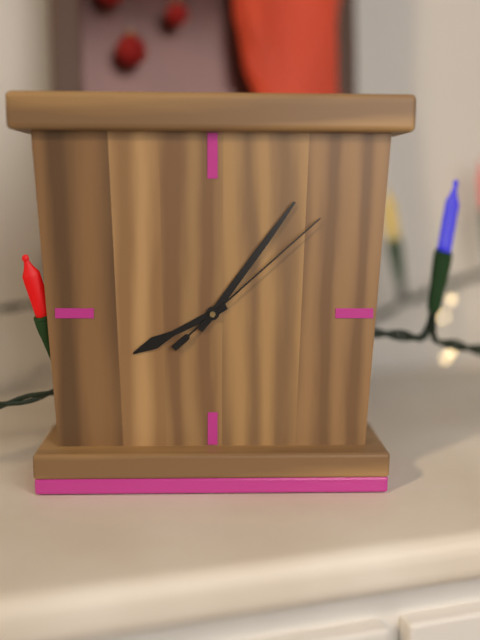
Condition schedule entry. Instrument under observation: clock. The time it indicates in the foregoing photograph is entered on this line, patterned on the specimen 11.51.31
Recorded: 8.06.08
